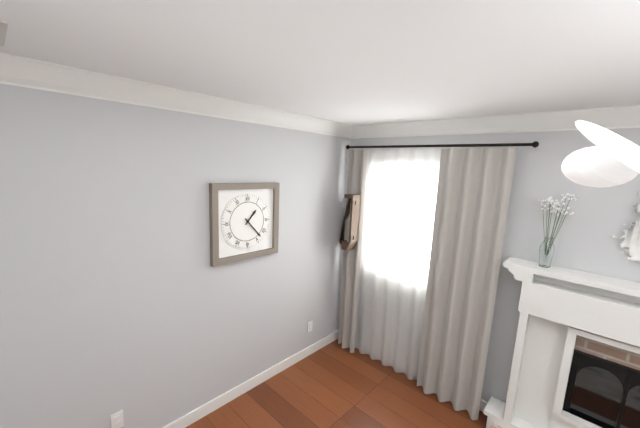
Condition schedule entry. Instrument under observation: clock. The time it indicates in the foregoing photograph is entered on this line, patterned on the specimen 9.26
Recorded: 1.23
